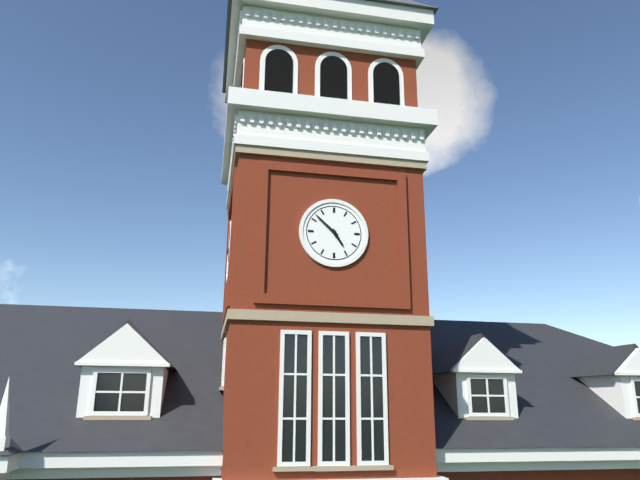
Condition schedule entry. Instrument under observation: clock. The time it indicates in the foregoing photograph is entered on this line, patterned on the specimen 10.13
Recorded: 4.52
